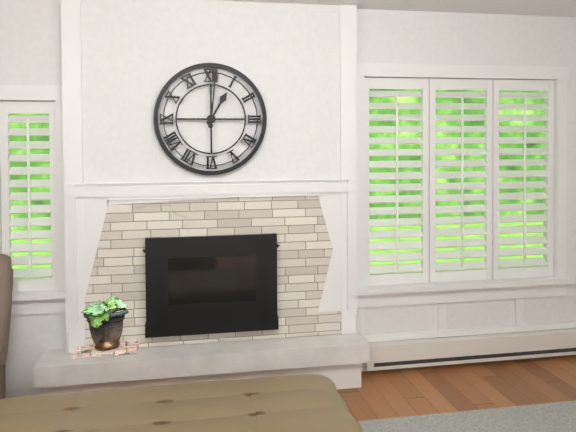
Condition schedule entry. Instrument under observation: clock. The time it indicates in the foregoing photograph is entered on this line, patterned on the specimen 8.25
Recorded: 1.01
